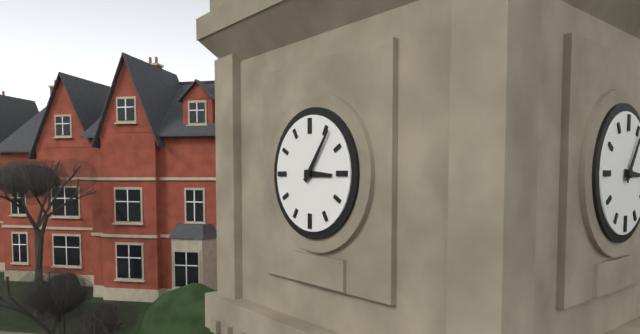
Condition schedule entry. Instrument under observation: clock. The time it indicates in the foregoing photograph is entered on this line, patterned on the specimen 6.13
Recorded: 3.06
